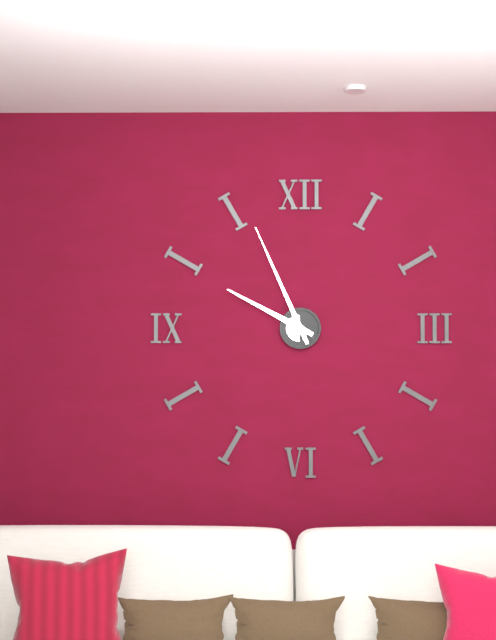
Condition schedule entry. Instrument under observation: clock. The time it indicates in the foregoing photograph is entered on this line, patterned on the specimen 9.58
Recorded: 9.56
